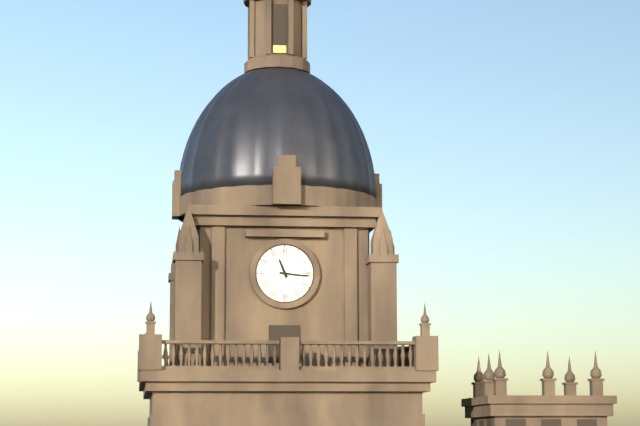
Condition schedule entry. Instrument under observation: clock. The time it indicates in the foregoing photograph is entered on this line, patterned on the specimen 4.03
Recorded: 11.16
